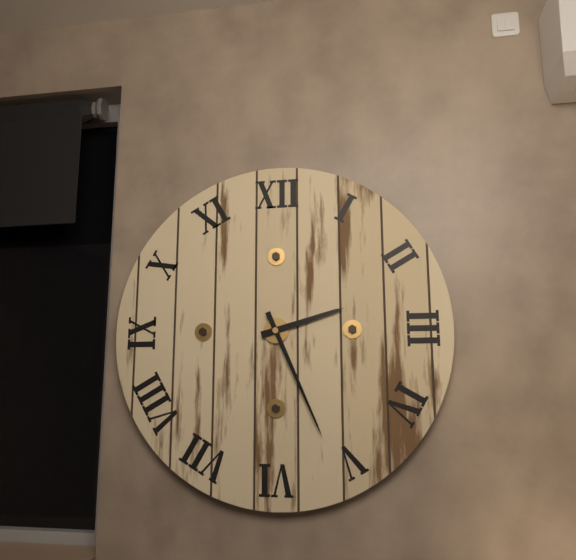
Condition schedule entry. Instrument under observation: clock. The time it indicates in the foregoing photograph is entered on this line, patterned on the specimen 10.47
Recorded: 2.26
